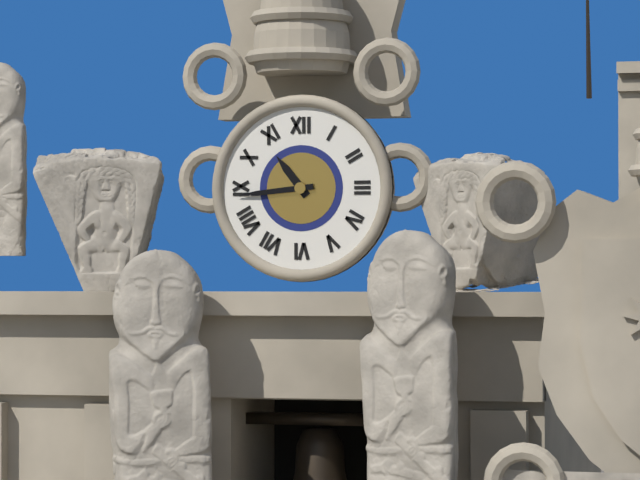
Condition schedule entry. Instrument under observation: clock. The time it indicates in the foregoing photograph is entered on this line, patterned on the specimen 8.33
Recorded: 10.44
